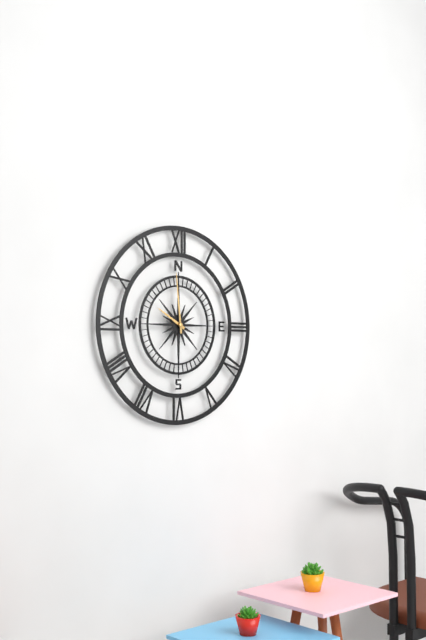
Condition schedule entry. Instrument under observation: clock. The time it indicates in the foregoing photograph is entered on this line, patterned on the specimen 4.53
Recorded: 9.59
